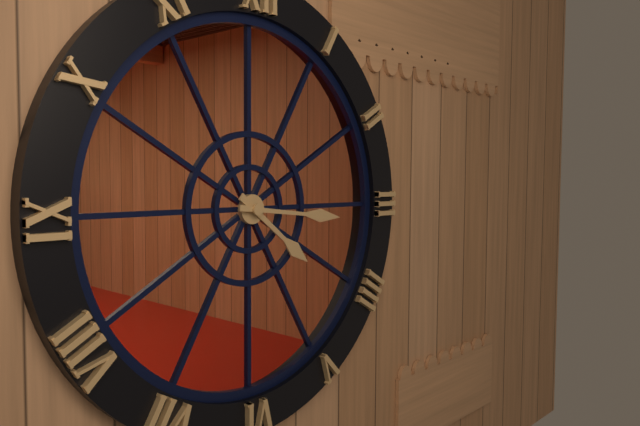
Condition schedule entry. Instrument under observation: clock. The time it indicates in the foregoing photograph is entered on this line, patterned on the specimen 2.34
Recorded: 4.16
